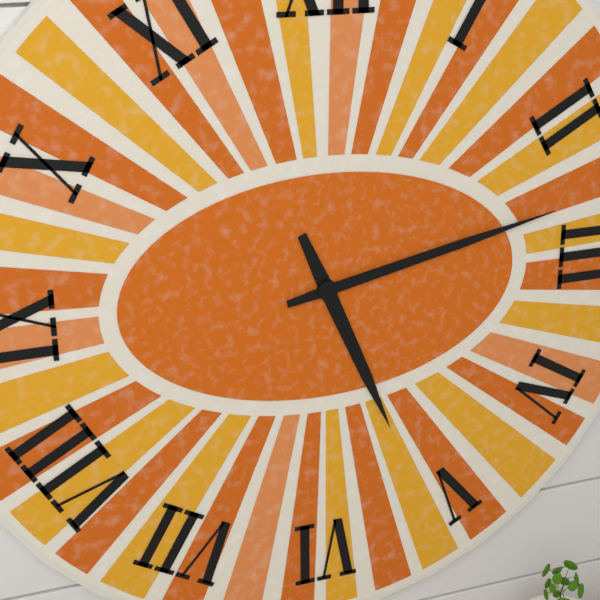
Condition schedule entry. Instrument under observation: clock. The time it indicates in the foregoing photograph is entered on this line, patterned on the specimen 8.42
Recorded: 5.13
